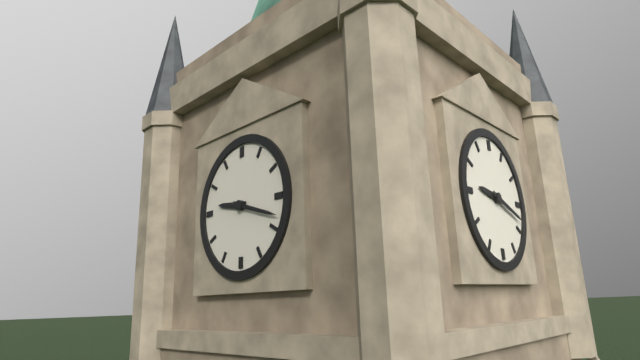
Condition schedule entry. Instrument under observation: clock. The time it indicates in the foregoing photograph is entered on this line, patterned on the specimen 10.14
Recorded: 9.18
